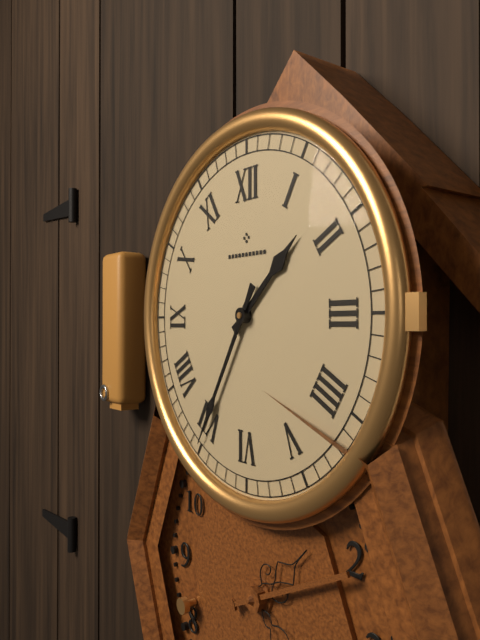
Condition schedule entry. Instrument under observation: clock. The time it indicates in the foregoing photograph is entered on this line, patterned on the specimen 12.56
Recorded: 1.35
